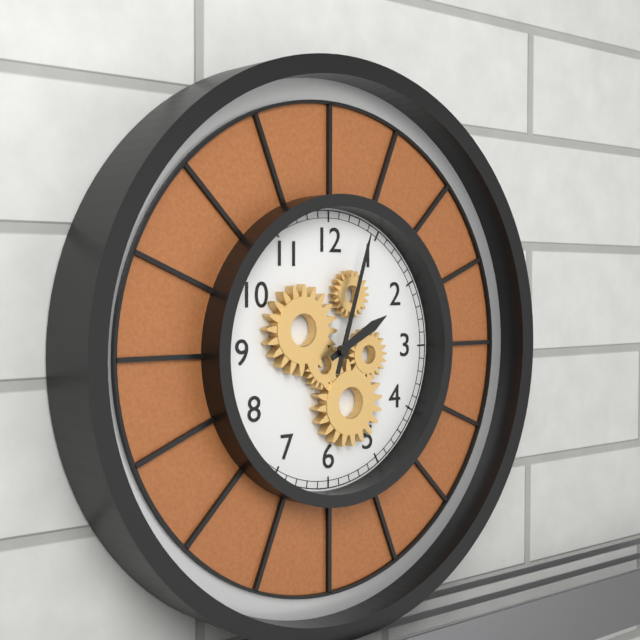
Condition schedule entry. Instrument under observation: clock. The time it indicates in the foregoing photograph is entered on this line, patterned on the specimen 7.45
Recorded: 2.03
